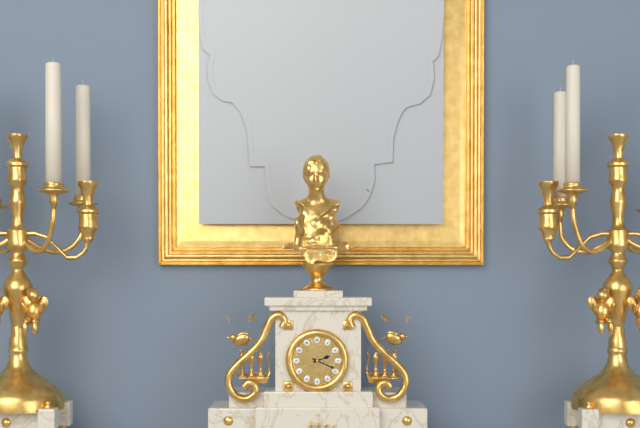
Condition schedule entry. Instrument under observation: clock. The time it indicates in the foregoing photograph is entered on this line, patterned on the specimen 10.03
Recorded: 2.19
